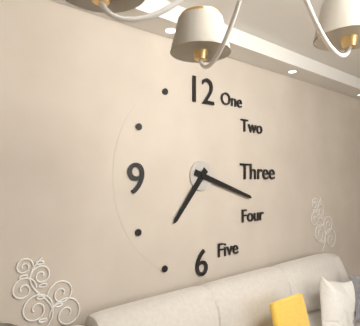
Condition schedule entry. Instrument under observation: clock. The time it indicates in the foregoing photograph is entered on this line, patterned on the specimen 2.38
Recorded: 7.18
